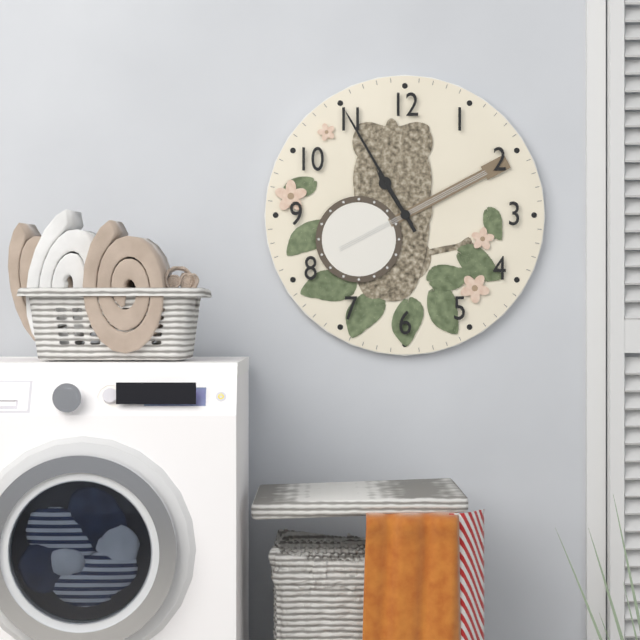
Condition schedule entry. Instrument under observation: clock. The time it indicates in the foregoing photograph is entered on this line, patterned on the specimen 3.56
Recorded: 10.55
